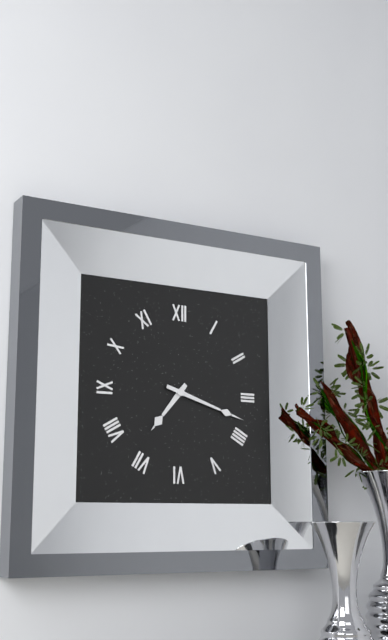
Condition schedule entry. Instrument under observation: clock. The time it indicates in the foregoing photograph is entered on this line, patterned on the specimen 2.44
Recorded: 7.18
